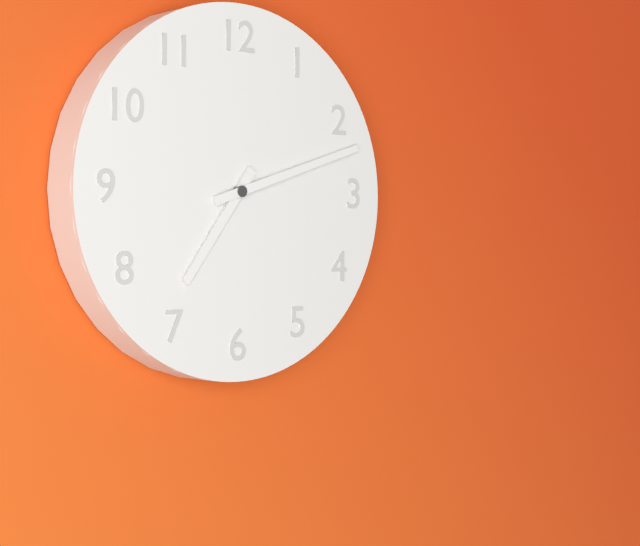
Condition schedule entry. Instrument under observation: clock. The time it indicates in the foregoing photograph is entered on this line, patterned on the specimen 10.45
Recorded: 7.12
